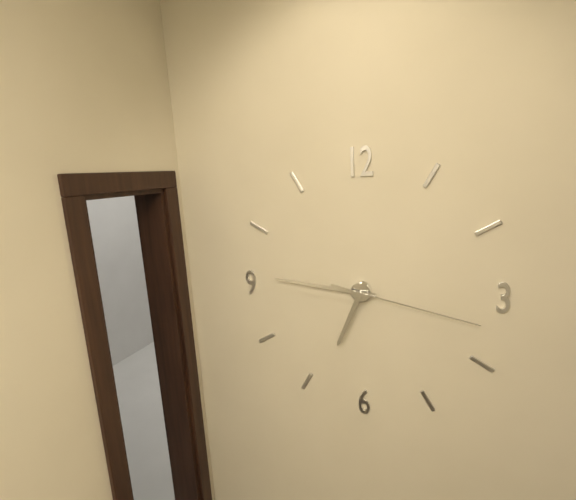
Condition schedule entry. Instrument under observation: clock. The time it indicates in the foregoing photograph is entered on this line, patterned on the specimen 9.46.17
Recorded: 6.46.17
